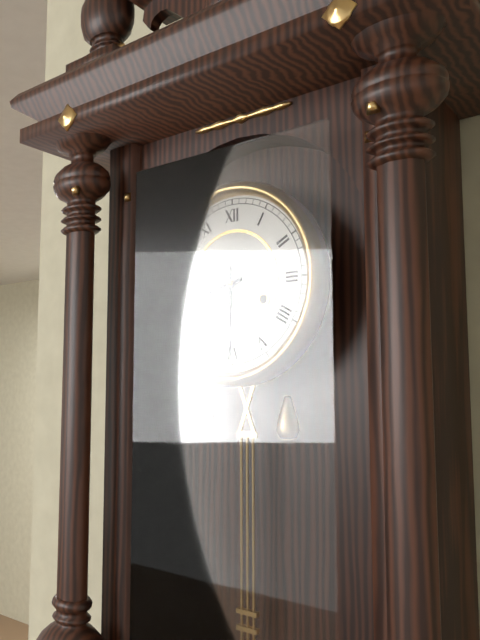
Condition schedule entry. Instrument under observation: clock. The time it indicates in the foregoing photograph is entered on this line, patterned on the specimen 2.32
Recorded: 8.30
